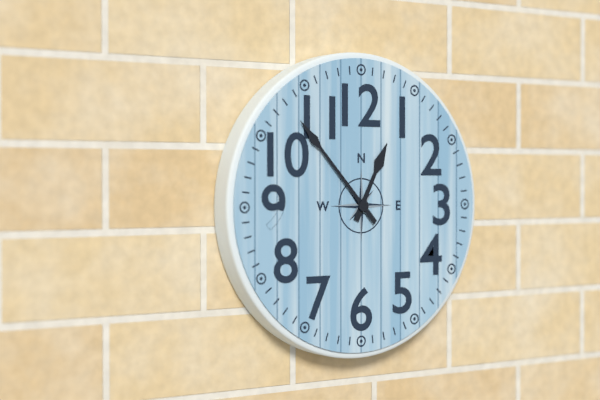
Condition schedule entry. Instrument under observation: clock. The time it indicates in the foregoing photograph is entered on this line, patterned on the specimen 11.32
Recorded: 12.53
